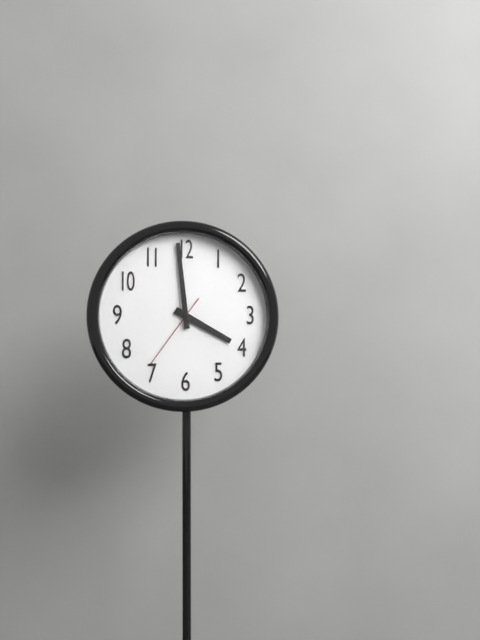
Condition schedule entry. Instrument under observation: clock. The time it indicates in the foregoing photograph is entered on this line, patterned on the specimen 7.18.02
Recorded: 3.59.36
